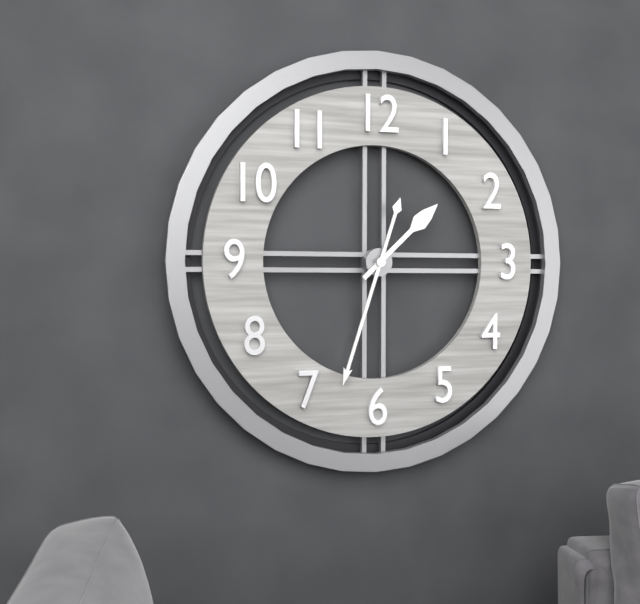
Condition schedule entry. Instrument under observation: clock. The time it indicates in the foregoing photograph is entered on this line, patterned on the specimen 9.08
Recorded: 1.33
